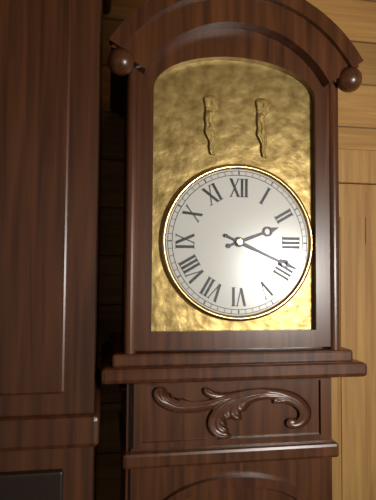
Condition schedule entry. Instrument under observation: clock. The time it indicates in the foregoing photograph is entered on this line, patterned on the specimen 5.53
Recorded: 2.19
